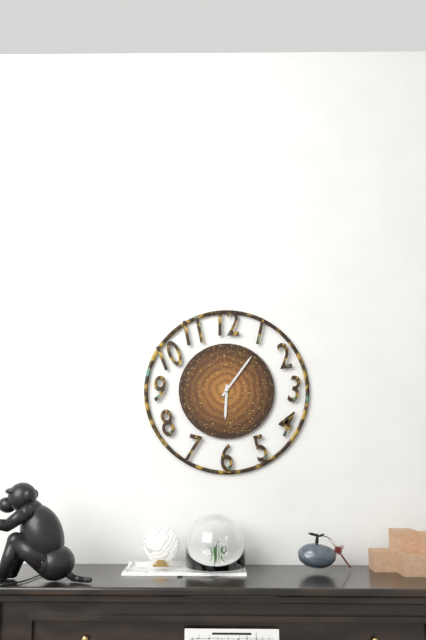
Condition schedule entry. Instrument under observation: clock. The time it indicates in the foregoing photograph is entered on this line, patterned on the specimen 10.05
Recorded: 6.06
